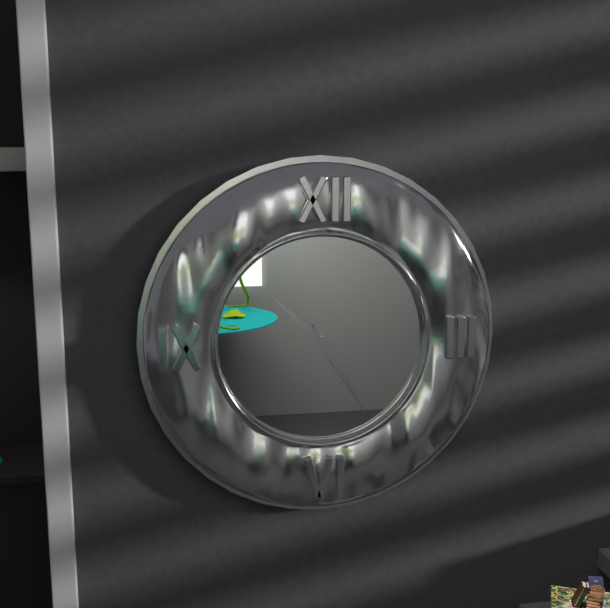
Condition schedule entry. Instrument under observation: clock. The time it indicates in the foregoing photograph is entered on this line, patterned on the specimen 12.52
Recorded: 10.25
